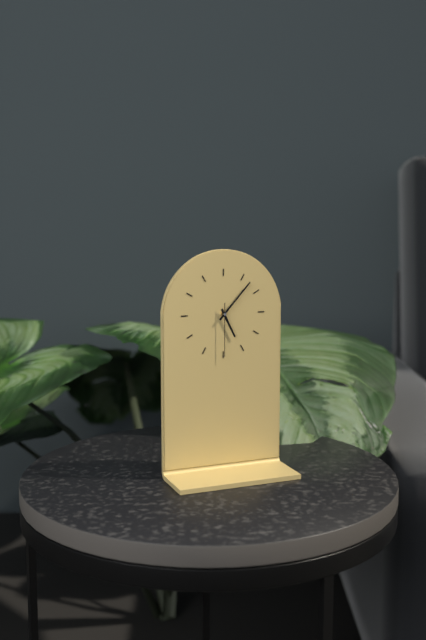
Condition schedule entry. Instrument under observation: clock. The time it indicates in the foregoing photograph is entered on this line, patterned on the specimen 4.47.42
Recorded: 5.07.30
